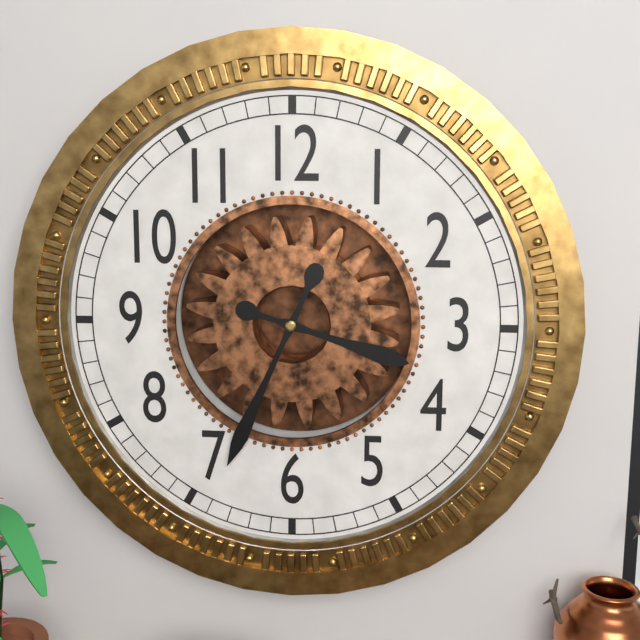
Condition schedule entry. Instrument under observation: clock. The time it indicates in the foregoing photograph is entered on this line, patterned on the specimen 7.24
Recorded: 3.34
